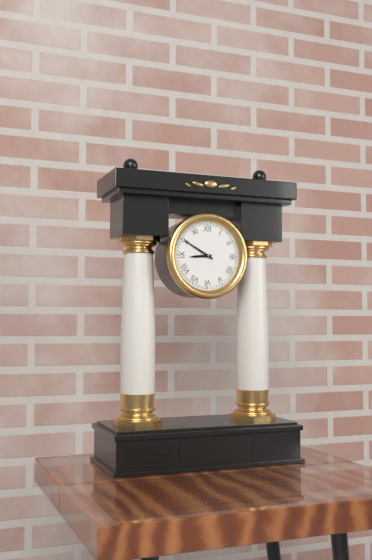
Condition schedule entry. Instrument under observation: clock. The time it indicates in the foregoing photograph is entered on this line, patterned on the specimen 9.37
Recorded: 8.50
